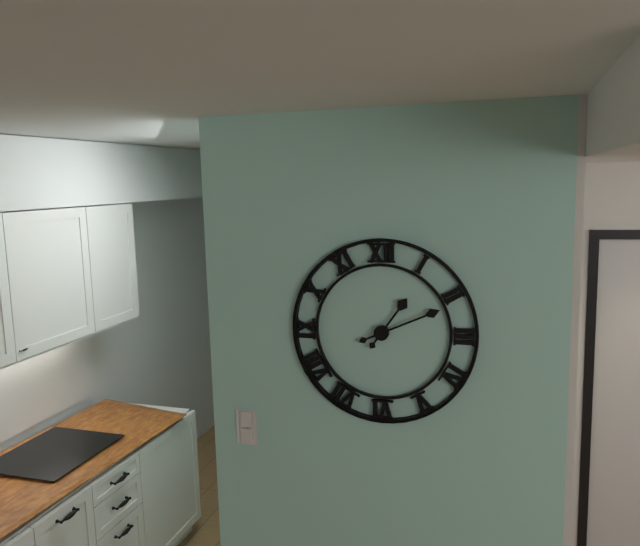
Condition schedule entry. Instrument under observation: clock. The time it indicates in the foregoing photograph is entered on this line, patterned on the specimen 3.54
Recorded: 1.11
